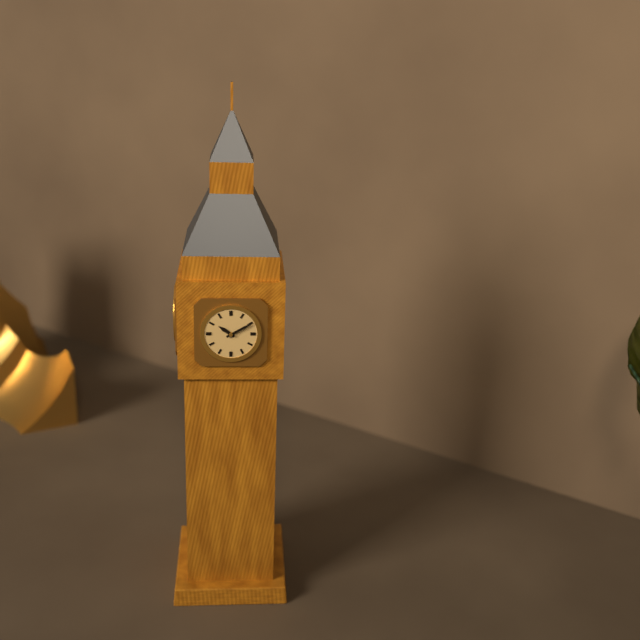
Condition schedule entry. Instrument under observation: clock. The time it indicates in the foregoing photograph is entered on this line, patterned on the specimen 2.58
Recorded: 10.10
